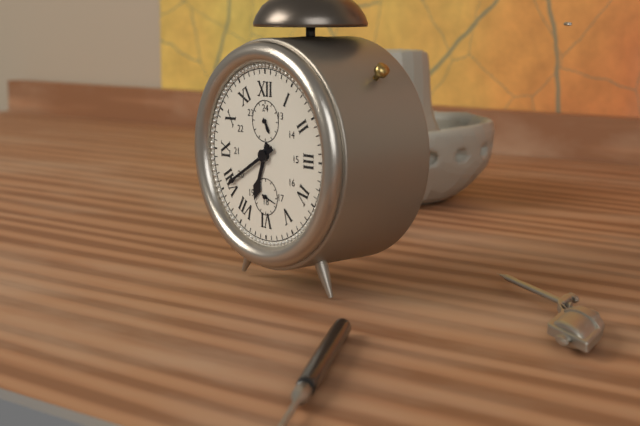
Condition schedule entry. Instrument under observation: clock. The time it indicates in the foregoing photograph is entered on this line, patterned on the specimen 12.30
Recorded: 6.40
